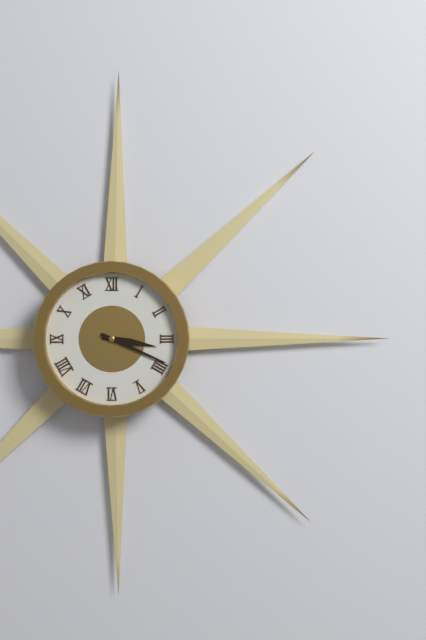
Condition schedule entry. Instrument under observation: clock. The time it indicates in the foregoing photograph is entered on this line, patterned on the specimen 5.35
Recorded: 3.19
